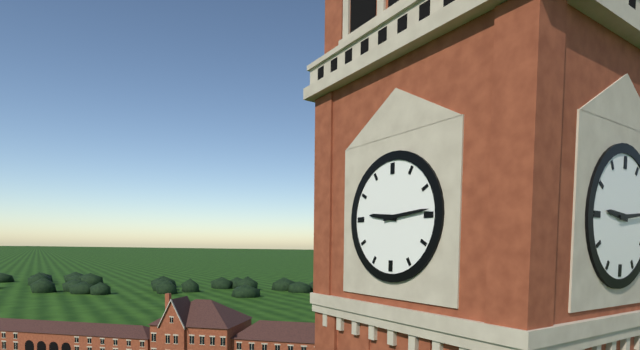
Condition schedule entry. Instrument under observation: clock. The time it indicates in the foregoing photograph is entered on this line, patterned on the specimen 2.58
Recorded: 9.14
